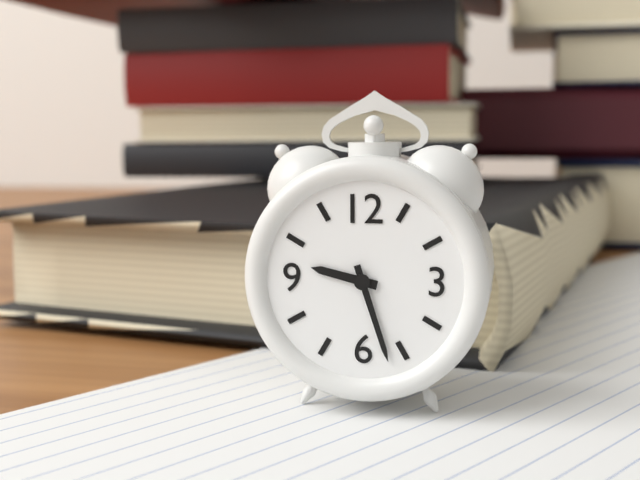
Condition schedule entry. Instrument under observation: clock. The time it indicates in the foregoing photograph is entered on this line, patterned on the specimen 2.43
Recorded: 9.27
